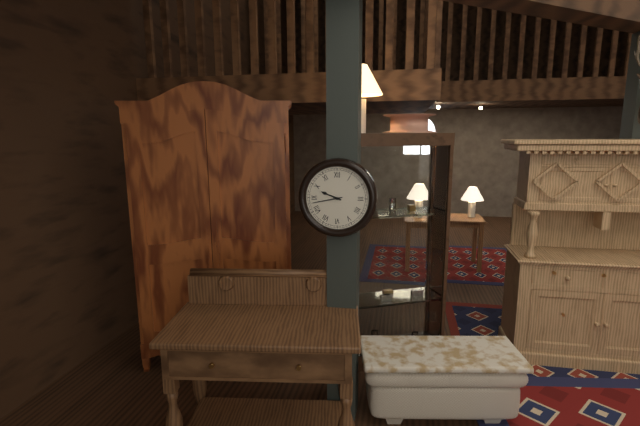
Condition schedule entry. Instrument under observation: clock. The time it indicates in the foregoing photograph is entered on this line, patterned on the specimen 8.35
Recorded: 9.43
